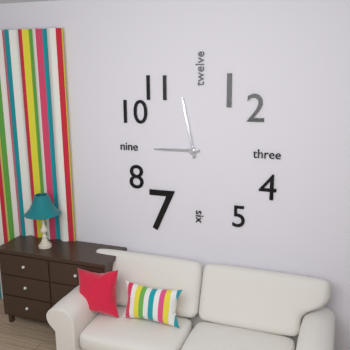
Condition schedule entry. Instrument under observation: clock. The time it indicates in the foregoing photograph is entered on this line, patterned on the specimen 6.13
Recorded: 8.58
